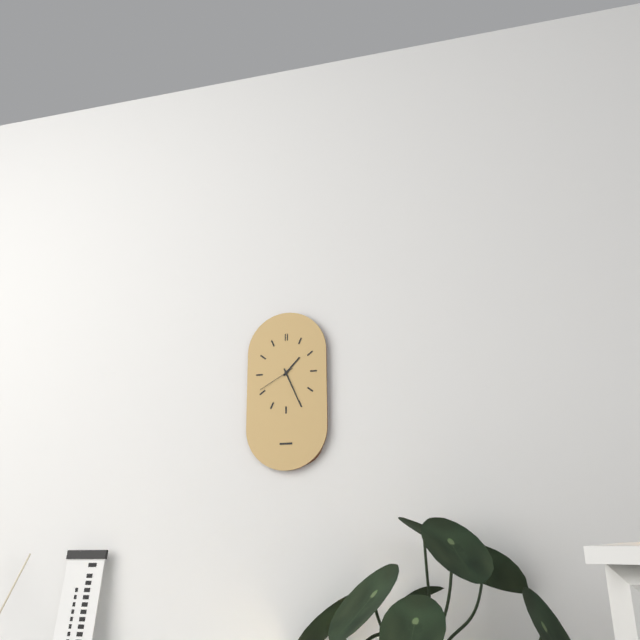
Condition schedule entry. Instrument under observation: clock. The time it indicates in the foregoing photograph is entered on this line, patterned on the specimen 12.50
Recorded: 1.26
